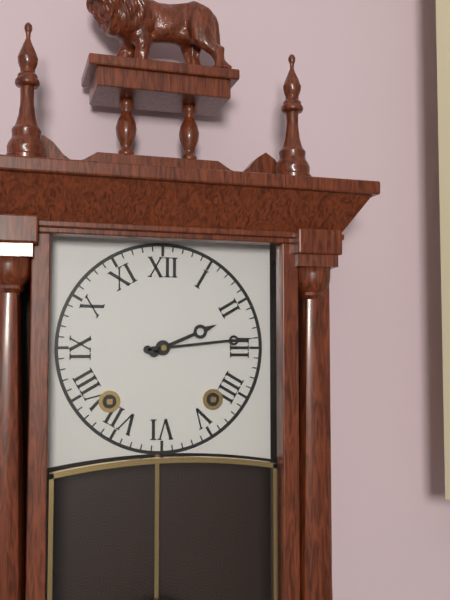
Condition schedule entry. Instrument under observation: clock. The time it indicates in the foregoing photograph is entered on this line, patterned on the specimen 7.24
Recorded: 2.14
